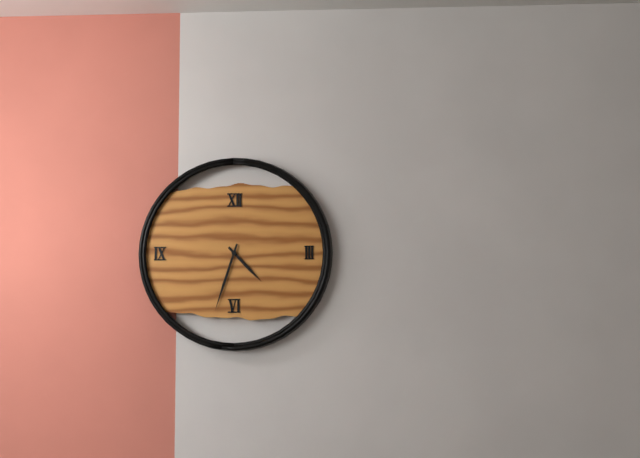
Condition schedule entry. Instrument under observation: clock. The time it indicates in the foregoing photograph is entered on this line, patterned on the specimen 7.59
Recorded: 4.33
